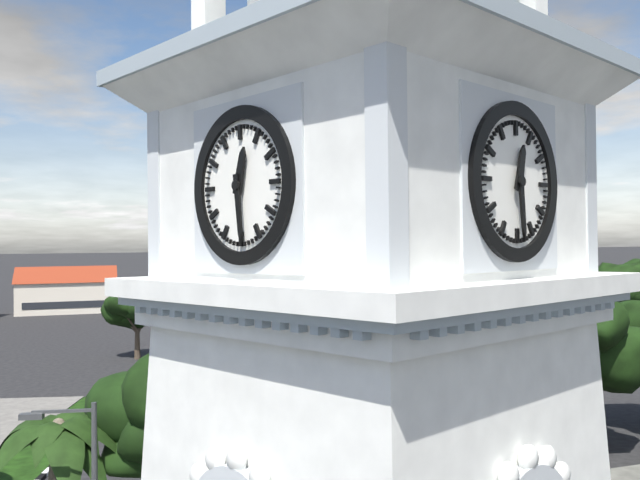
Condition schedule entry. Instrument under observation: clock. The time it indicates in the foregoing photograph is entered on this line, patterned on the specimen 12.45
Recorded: 12.29
